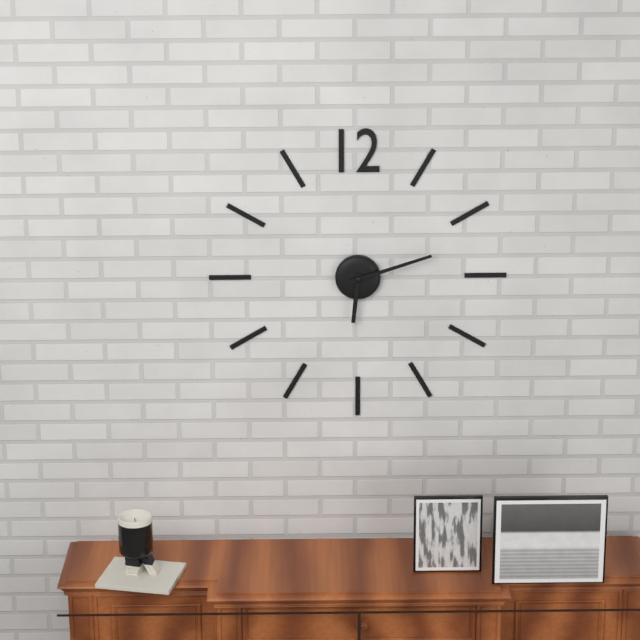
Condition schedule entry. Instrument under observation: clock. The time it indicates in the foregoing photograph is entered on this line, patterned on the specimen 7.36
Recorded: 6.12
